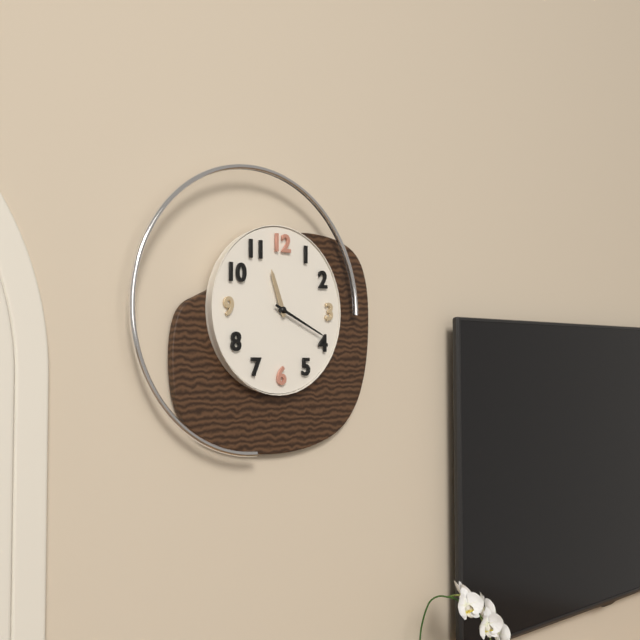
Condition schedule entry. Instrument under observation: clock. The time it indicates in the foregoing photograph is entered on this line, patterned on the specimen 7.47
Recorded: 11.19
